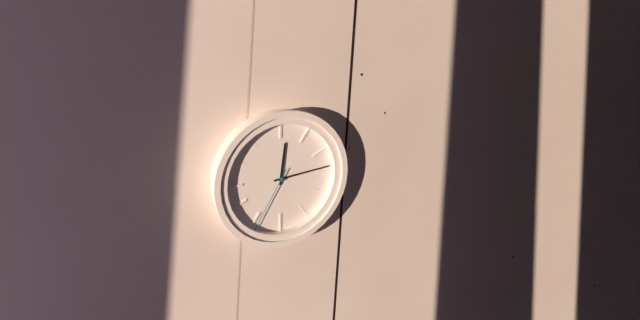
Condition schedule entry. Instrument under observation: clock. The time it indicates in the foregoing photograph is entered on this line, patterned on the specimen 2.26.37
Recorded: 12.14.35
